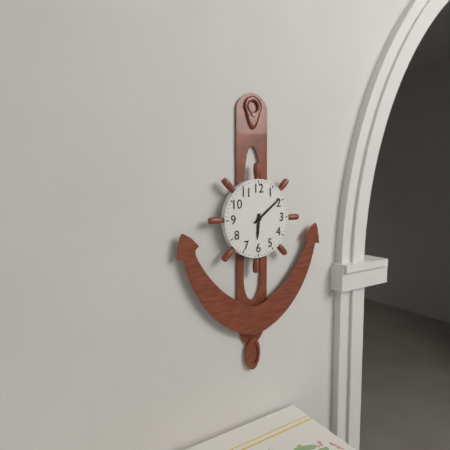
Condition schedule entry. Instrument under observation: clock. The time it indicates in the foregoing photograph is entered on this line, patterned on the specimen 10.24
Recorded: 6.09
